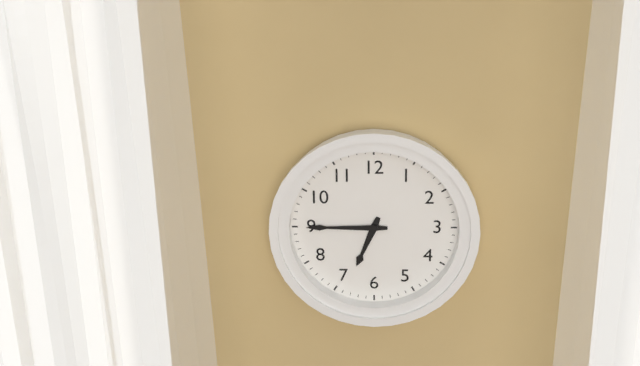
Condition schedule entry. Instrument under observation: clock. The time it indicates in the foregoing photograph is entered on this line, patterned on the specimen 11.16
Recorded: 6.45
